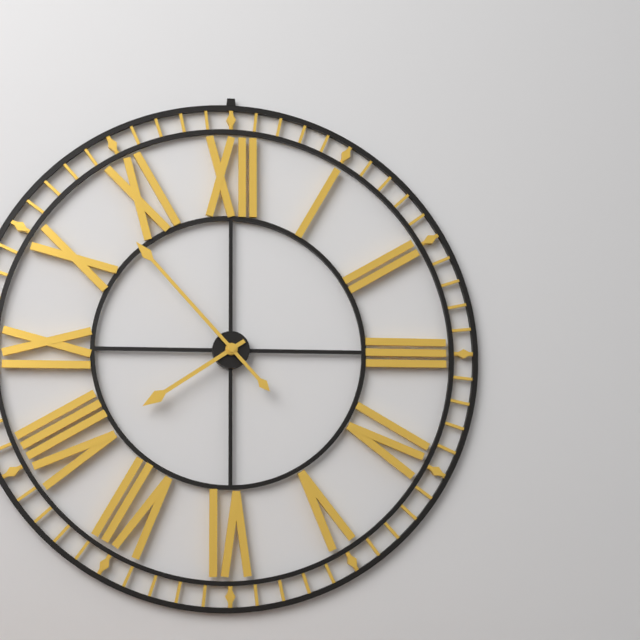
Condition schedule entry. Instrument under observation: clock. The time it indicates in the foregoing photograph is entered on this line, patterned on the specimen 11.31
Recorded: 7.53
